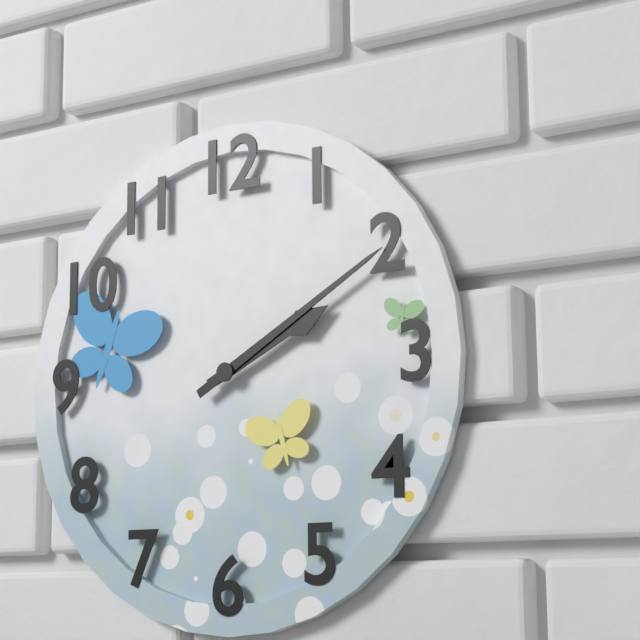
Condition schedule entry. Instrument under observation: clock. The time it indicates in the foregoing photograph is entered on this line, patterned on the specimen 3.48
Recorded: 2.10
